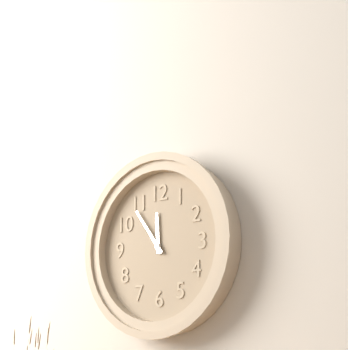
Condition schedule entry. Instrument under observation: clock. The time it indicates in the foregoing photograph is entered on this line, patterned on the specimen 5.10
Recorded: 11.54
